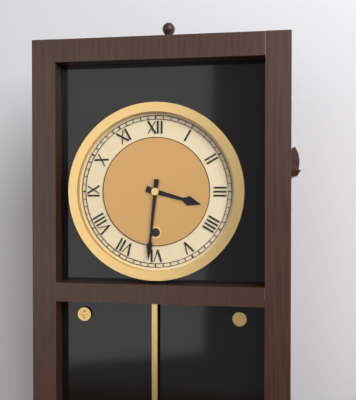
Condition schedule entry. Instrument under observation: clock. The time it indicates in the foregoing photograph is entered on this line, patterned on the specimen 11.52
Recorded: 3.31
